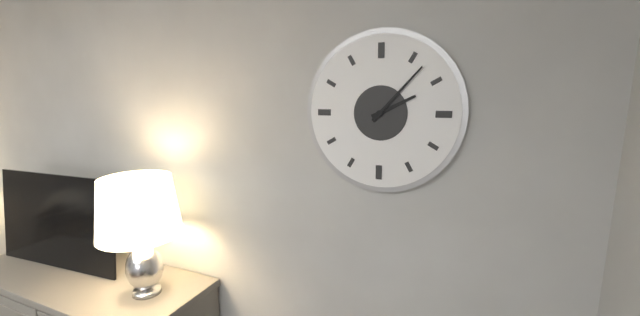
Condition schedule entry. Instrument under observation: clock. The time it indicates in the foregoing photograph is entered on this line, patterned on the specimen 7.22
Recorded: 2.07
